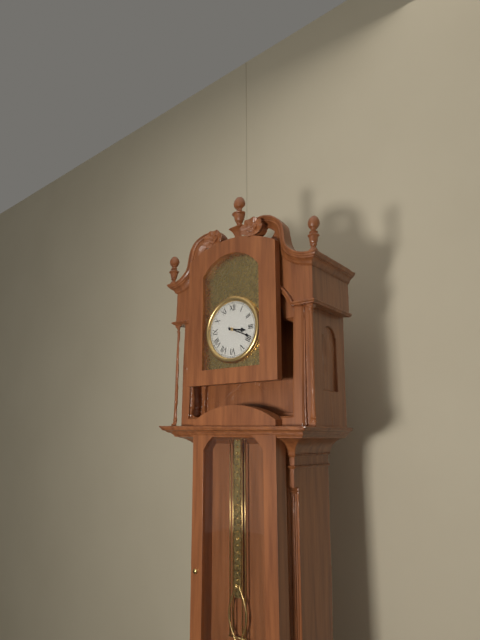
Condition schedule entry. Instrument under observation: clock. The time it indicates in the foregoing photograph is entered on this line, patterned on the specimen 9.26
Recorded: 3.19
